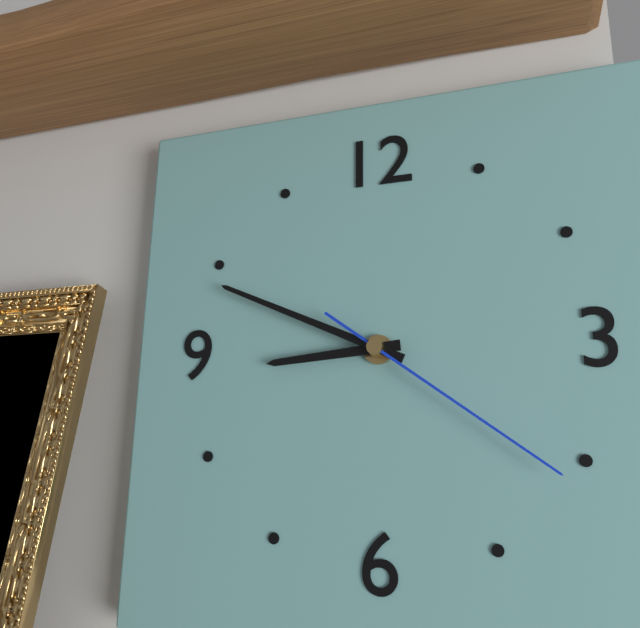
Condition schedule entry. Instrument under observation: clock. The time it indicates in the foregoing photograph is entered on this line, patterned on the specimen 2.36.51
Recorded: 8.49.21
